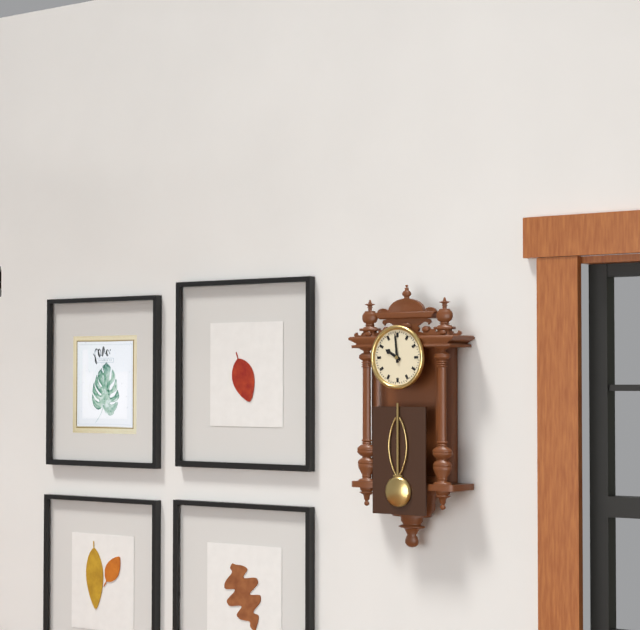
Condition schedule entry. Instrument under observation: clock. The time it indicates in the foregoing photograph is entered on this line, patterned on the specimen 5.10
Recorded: 9.59
